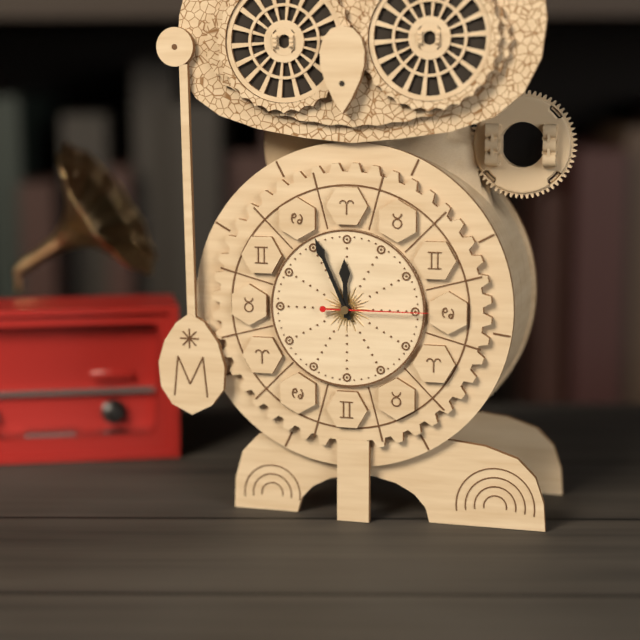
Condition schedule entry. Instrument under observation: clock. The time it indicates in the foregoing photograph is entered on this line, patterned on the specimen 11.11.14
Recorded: 11.56.15
